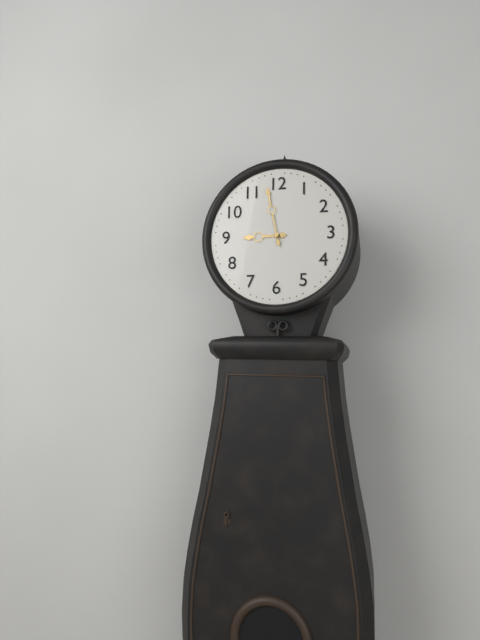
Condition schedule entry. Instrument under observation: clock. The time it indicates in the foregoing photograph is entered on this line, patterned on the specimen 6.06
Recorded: 8.58
